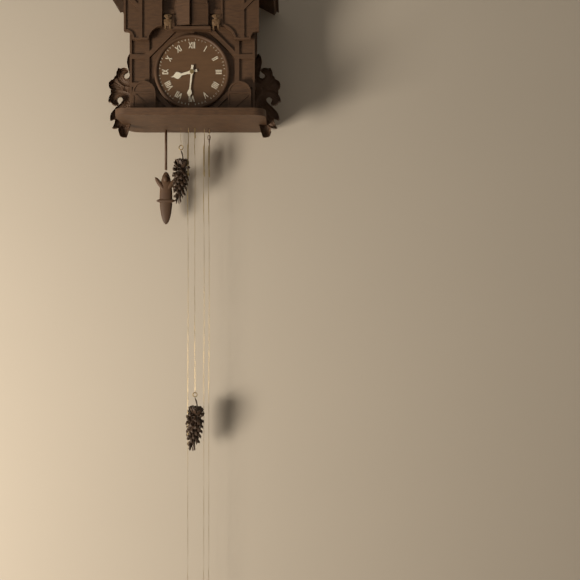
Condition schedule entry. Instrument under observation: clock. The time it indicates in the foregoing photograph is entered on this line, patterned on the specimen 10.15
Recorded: 8.31
